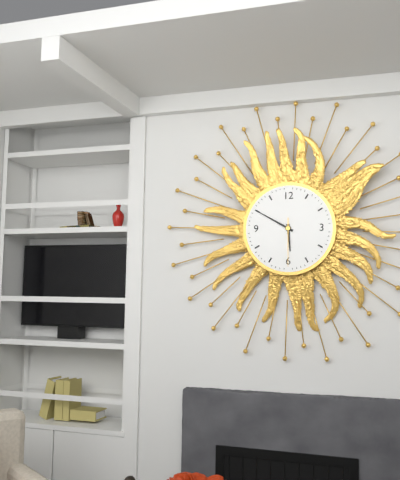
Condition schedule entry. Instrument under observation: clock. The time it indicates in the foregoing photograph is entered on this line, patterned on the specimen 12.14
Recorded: 5.50
